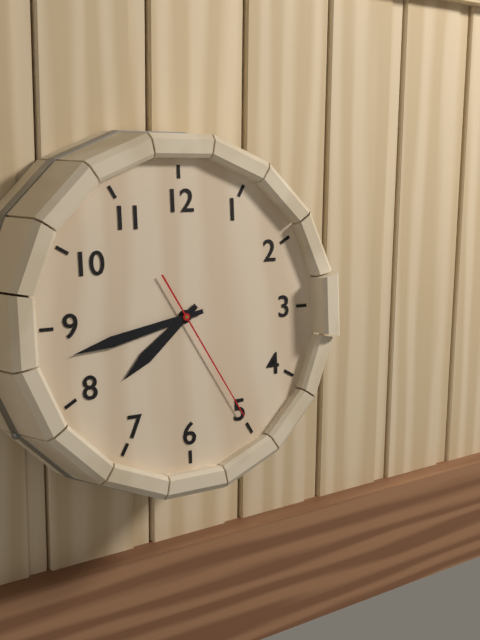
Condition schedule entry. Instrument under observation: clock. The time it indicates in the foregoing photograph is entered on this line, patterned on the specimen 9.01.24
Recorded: 7.43.25
